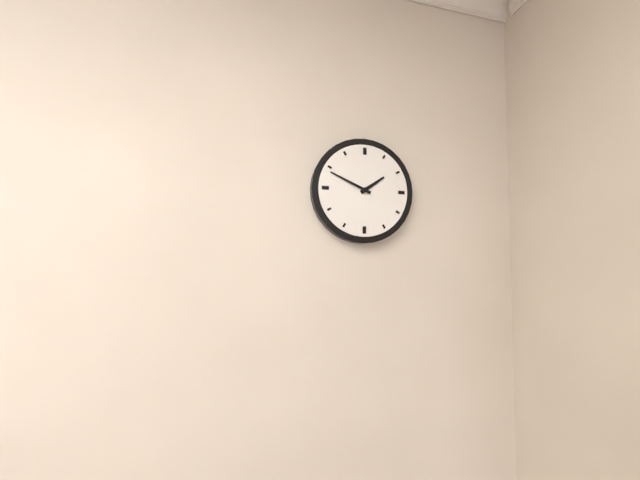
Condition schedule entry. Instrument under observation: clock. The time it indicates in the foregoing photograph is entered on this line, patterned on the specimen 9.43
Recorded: 1.49
